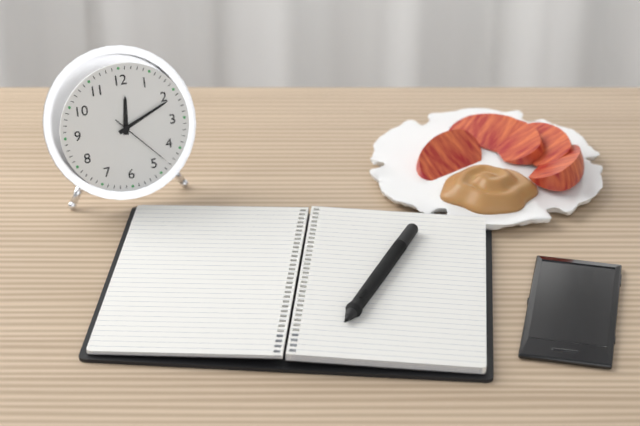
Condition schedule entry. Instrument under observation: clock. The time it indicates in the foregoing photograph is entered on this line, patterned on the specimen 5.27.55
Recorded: 12.11.23
